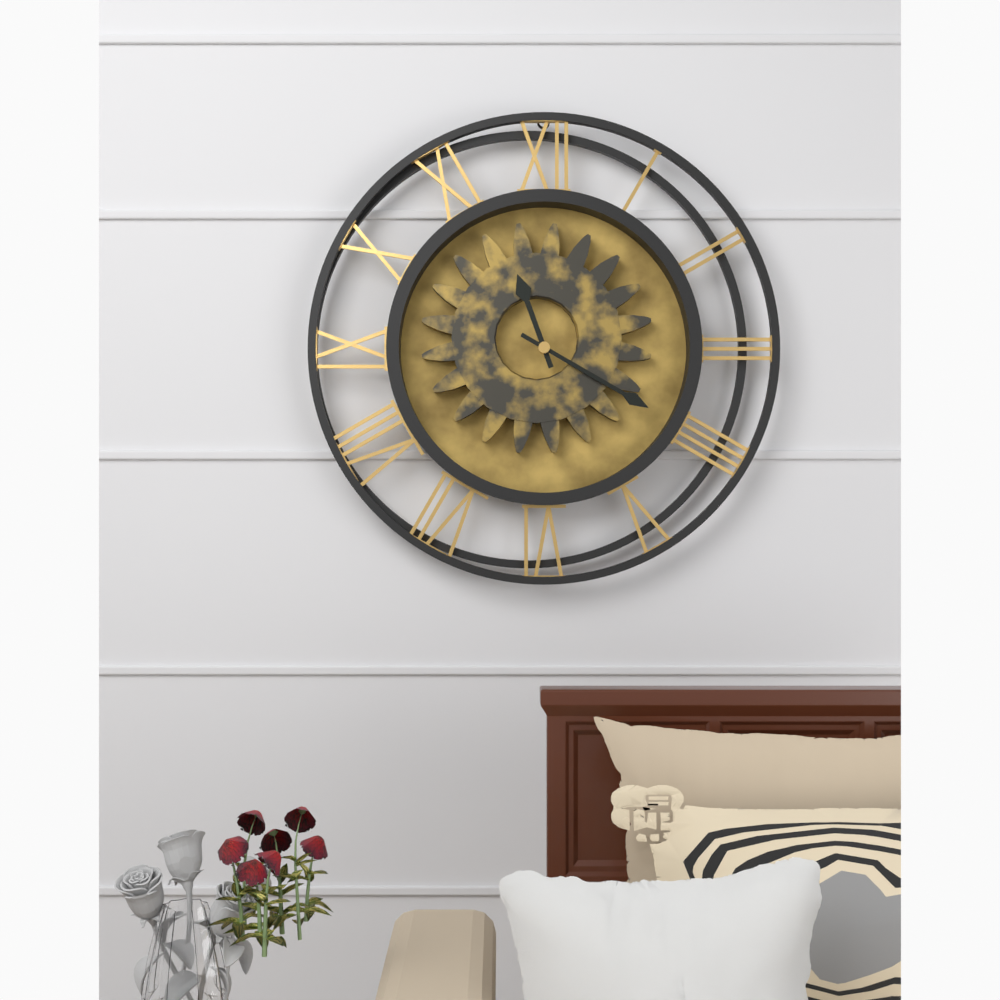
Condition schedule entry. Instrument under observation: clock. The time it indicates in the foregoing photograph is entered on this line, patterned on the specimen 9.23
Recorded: 11.20
